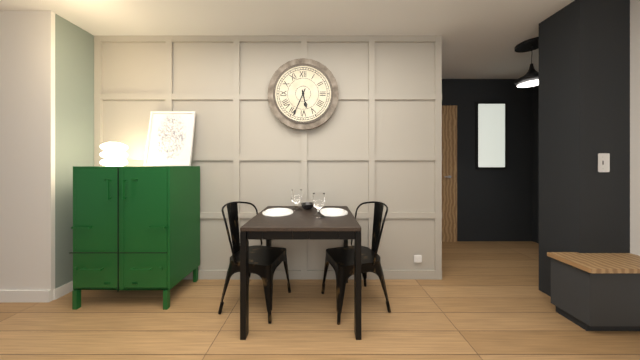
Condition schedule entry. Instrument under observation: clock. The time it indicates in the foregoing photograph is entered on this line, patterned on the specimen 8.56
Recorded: 5.34
